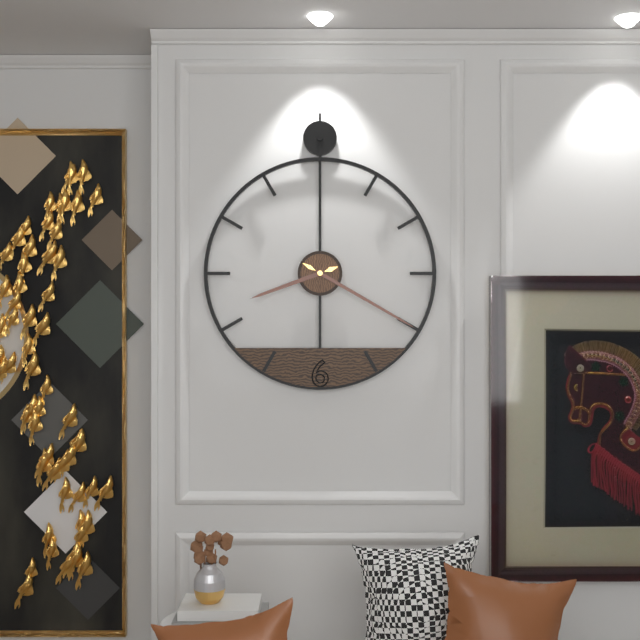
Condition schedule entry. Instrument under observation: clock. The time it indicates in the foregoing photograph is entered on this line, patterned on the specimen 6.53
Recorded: 8.20
